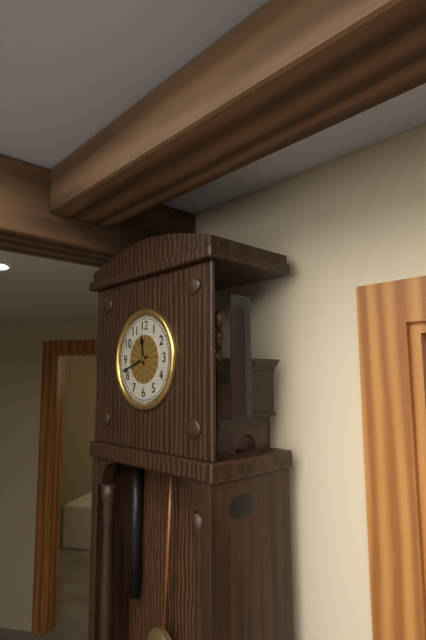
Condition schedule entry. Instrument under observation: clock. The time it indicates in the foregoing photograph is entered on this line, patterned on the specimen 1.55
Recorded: 11.42
